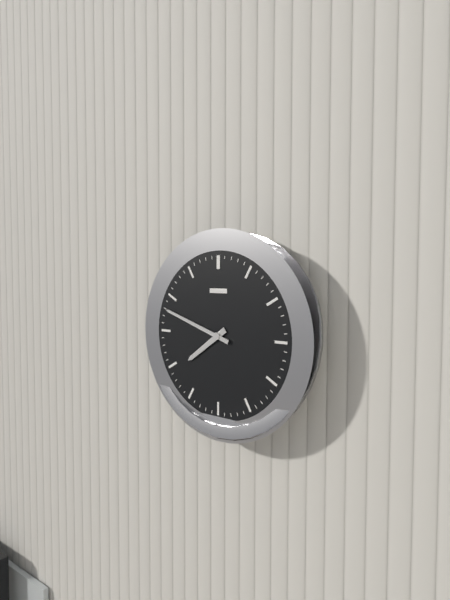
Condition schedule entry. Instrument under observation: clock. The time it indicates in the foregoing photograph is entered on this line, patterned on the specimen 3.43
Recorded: 7.48
